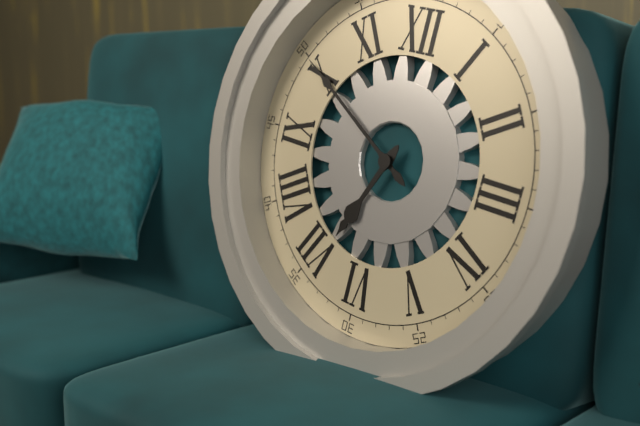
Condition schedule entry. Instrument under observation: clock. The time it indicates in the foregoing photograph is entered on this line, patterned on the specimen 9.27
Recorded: 6.50
